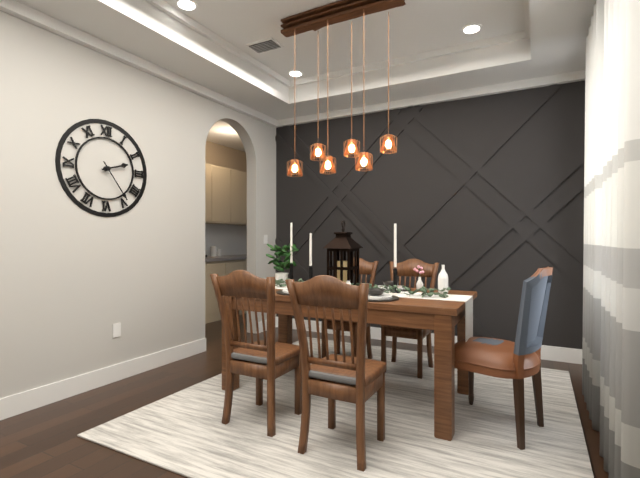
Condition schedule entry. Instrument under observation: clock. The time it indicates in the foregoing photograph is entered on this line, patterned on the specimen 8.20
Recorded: 2.24
